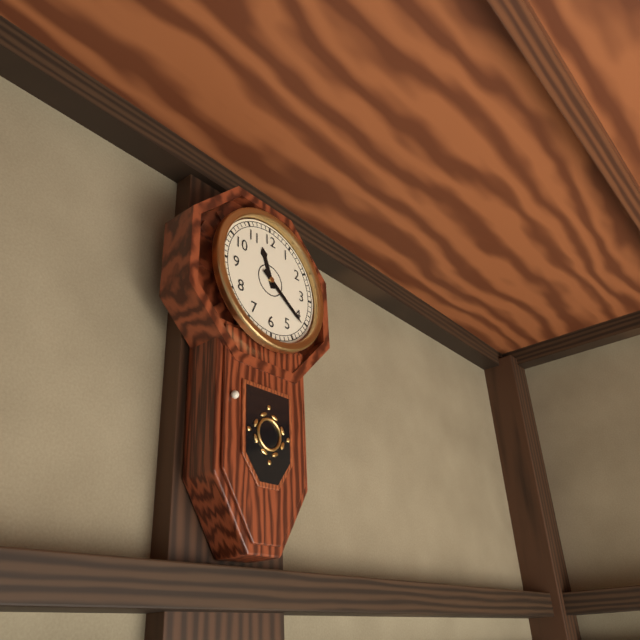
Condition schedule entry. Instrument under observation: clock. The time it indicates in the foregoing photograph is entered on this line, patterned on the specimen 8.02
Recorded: 11.21
